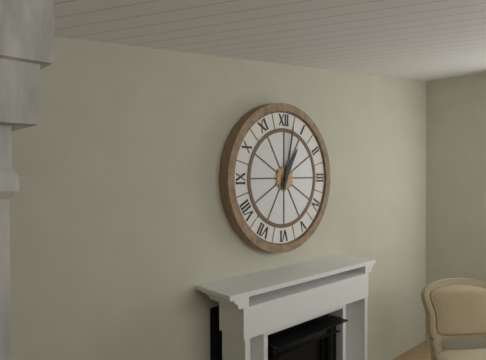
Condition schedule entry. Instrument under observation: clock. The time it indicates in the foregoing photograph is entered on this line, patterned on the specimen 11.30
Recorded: 1.02
